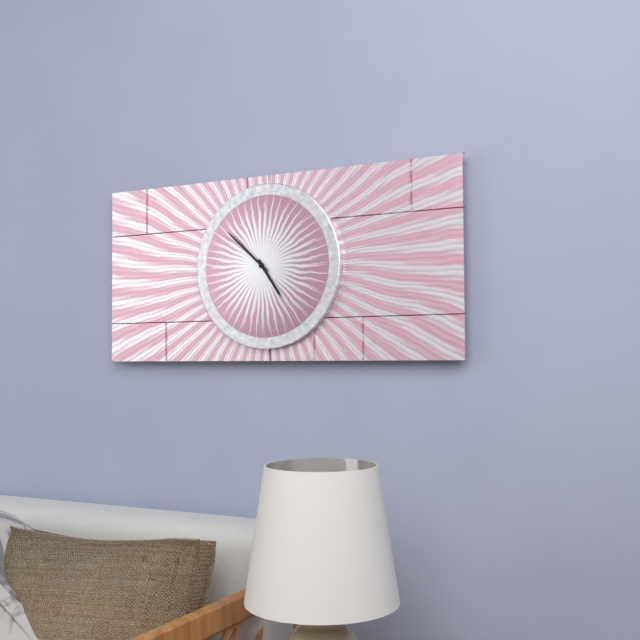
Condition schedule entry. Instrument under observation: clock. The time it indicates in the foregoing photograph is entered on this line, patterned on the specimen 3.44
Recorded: 4.52
